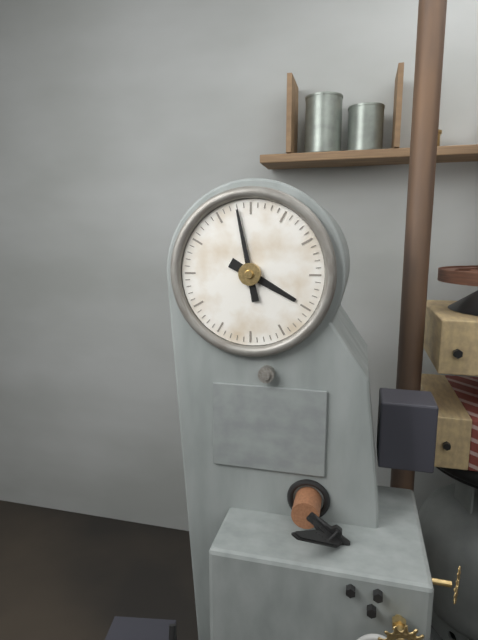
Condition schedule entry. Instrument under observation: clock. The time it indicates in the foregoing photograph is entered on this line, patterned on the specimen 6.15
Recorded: 3.58
